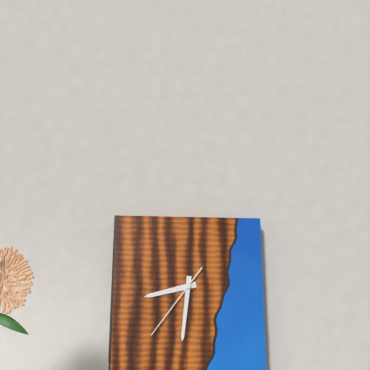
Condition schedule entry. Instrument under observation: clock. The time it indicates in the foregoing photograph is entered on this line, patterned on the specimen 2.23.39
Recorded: 8.31.36
